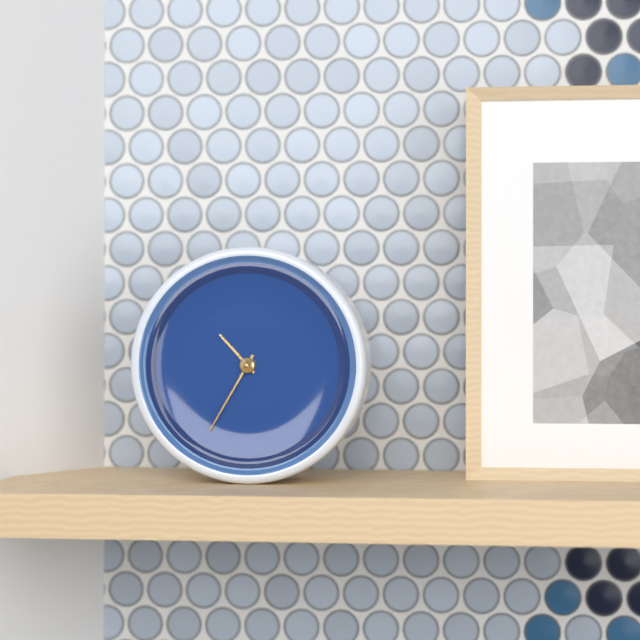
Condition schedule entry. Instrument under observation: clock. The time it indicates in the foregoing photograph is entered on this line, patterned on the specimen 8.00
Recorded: 10.35
